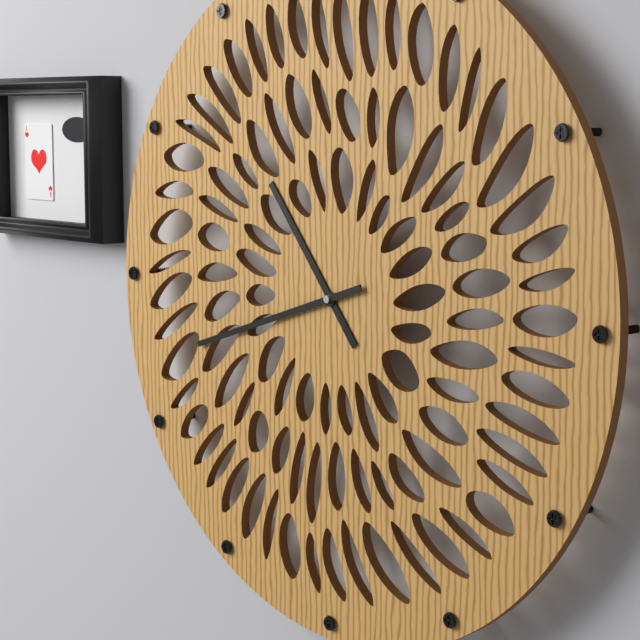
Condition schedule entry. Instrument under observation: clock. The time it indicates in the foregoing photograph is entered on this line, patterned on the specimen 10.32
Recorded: 10.42
